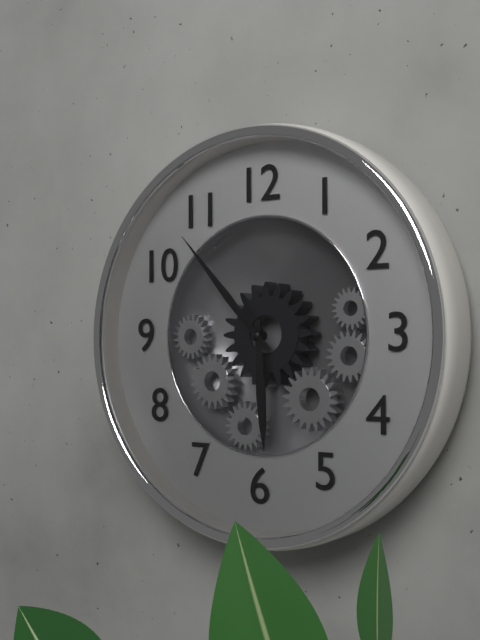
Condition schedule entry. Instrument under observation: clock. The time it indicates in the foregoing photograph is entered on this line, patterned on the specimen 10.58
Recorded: 5.53
